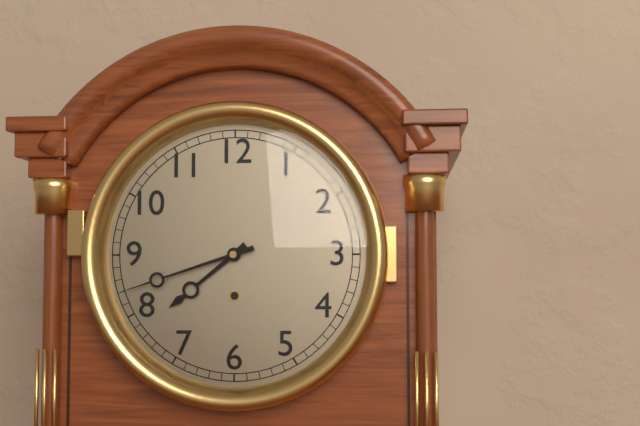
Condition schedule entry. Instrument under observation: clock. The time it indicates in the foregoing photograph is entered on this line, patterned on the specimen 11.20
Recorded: 7.42
